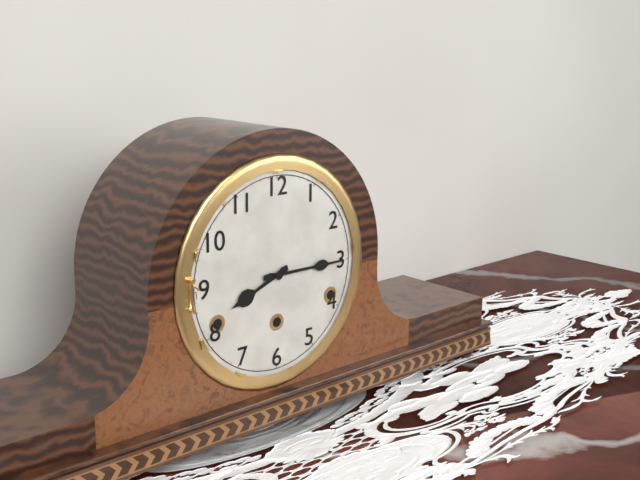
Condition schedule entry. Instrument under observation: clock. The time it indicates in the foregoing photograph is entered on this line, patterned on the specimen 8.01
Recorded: 8.15
